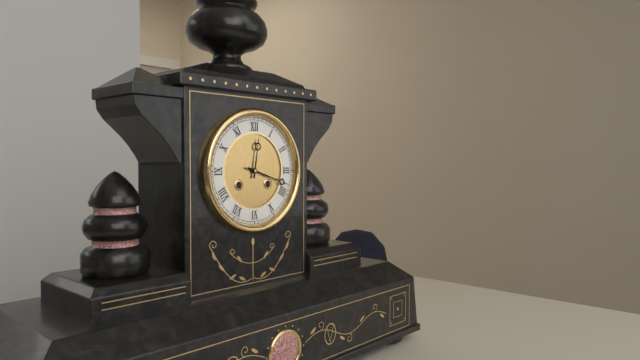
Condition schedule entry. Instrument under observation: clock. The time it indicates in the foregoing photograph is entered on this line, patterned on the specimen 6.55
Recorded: 12.18
